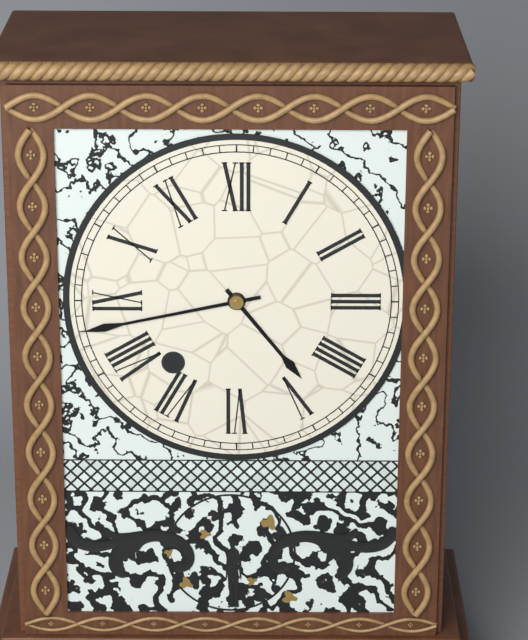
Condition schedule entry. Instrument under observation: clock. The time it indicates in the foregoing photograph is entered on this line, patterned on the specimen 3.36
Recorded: 4.43
